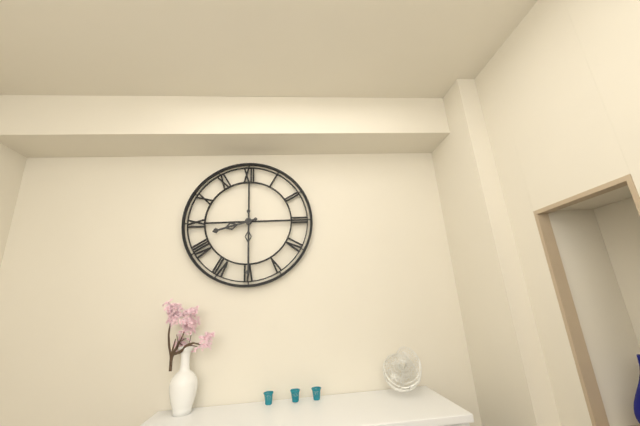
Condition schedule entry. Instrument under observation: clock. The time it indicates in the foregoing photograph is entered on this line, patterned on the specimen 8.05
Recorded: 8.30
